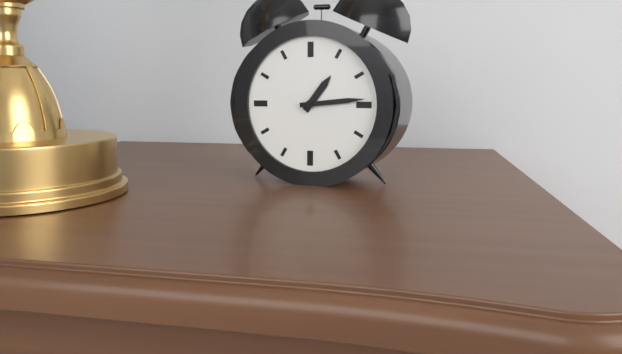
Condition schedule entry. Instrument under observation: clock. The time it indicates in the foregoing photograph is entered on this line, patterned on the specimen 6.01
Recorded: 1.14
